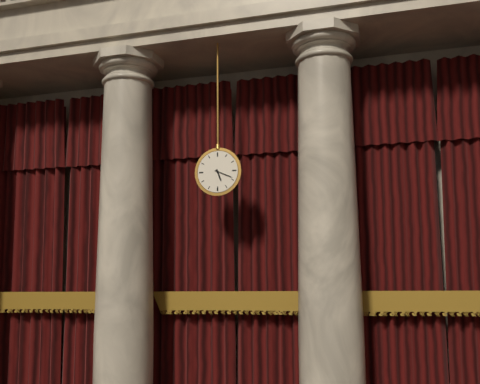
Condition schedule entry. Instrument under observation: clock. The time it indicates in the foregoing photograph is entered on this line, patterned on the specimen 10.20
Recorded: 5.19
